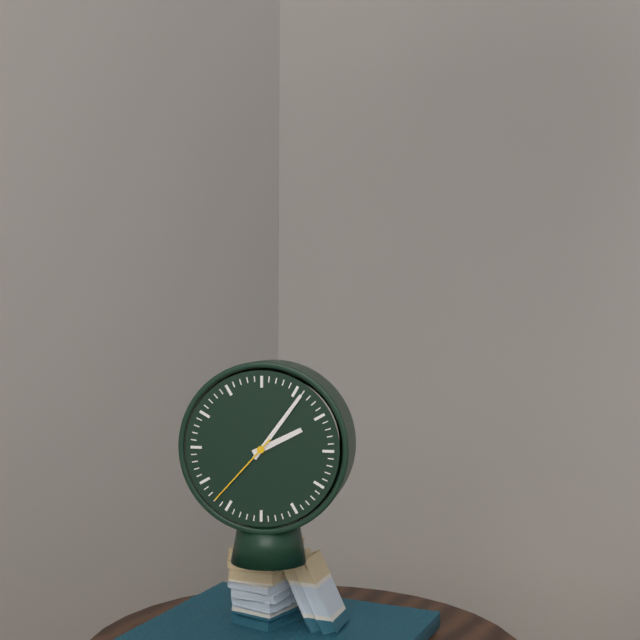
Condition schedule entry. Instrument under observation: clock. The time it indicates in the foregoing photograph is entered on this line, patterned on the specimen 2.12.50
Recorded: 2.06.37
